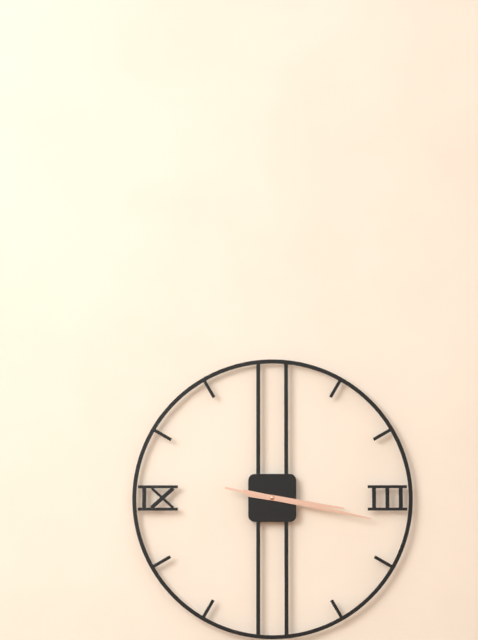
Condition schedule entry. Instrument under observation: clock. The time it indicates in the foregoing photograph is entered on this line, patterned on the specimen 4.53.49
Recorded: 3.17.17
